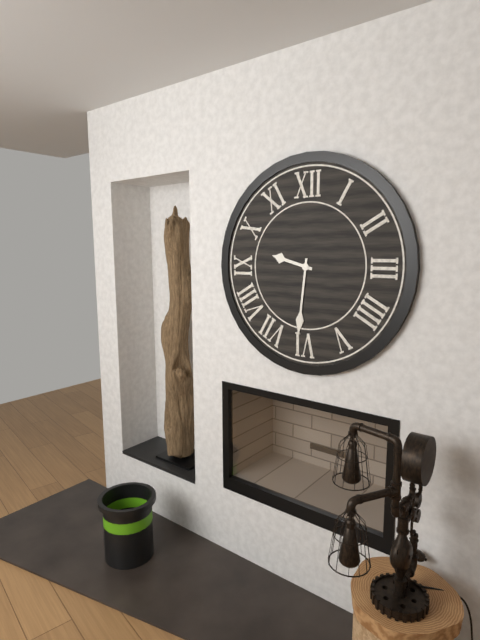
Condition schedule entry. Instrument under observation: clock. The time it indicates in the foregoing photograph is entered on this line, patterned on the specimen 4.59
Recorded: 9.31
